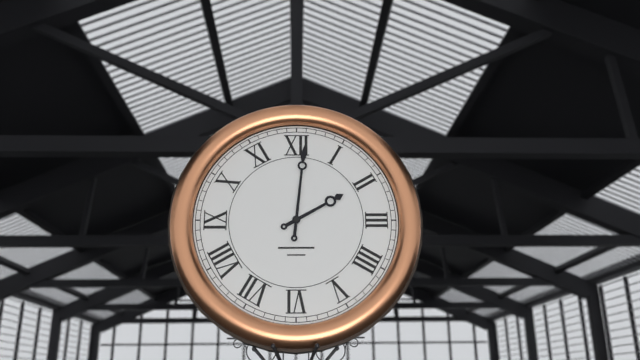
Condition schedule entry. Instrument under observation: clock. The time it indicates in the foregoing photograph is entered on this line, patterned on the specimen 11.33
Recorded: 2.01
